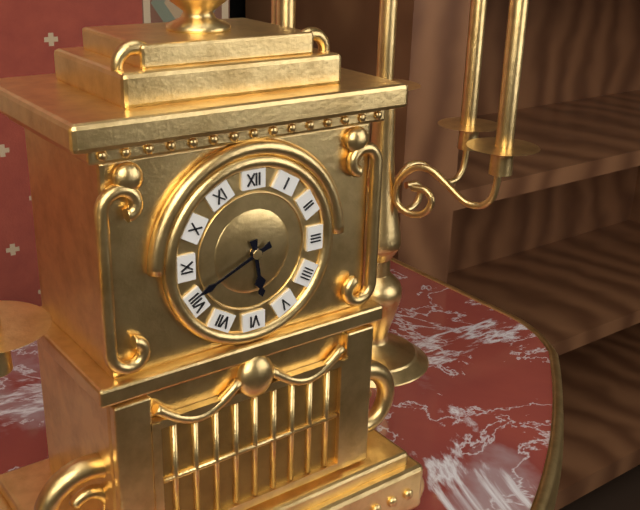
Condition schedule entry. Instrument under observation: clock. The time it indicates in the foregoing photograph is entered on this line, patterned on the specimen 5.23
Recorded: 5.41
